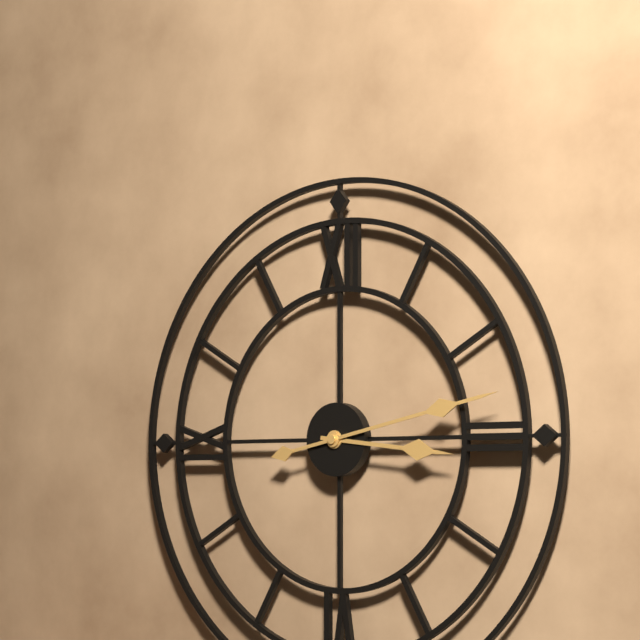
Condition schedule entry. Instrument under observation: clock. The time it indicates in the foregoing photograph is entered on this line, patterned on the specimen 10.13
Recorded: 3.13
